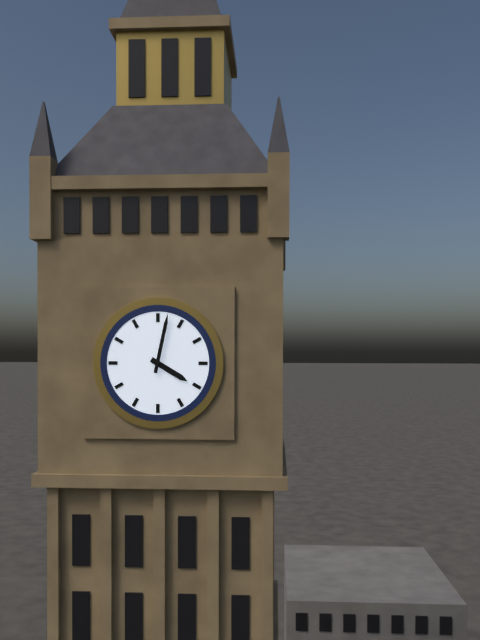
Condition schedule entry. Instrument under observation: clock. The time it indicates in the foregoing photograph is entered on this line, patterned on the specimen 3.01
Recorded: 4.02
